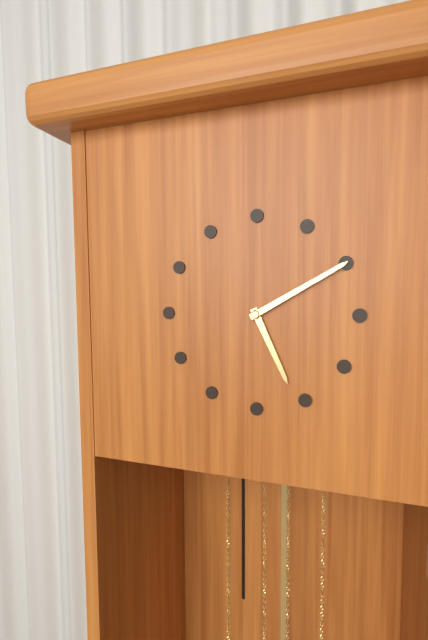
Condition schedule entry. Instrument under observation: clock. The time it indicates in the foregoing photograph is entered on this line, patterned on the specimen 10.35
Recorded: 5.10
